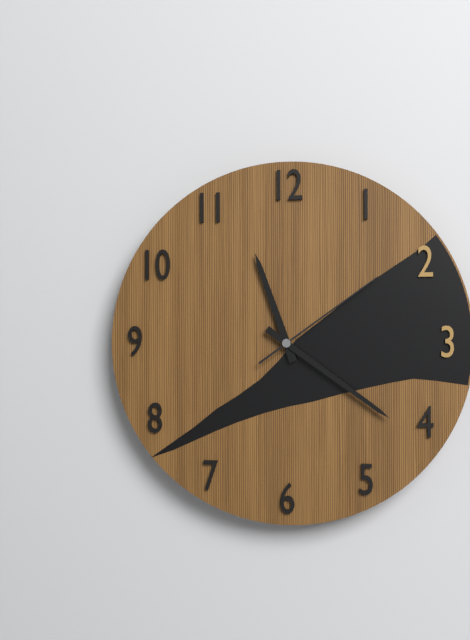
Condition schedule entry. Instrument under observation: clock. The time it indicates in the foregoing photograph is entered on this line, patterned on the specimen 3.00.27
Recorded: 11.21.09
